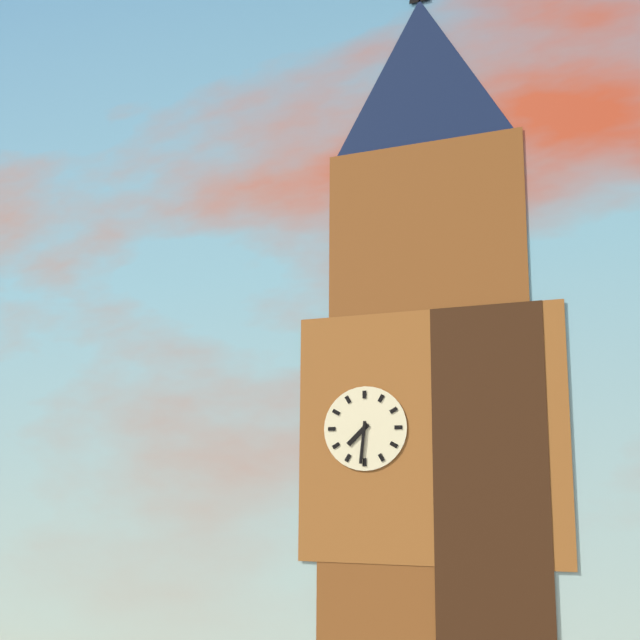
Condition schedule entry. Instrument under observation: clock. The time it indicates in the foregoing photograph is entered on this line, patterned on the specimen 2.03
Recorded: 7.31
